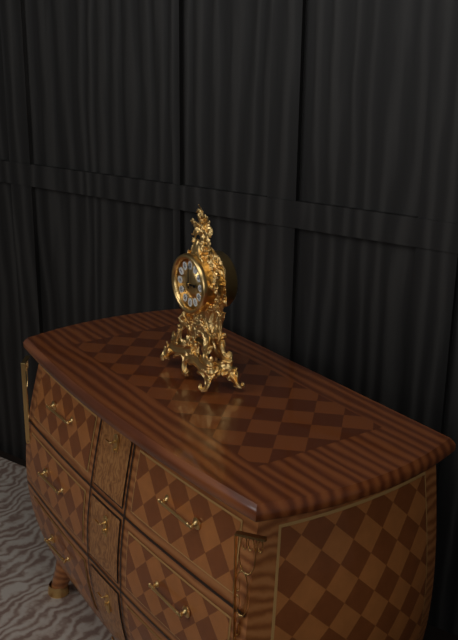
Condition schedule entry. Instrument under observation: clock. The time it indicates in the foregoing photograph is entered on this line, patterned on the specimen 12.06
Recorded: 3.00
